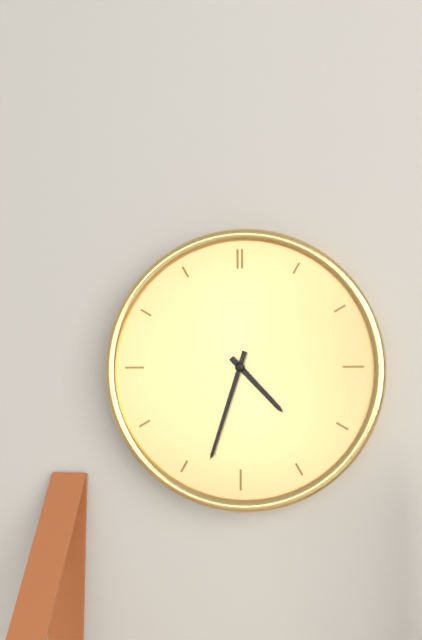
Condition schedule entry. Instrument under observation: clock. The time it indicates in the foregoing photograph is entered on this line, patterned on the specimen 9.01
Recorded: 4.33
